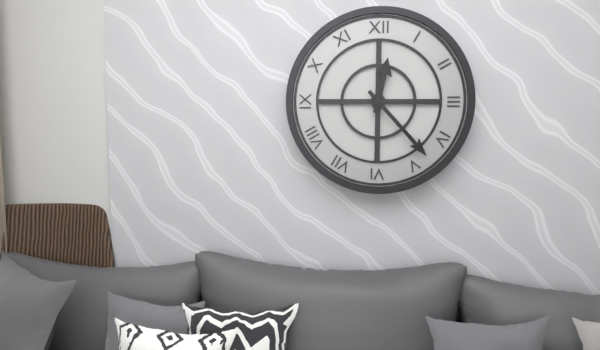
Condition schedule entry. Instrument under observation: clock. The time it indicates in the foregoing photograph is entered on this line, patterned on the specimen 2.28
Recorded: 12.23
